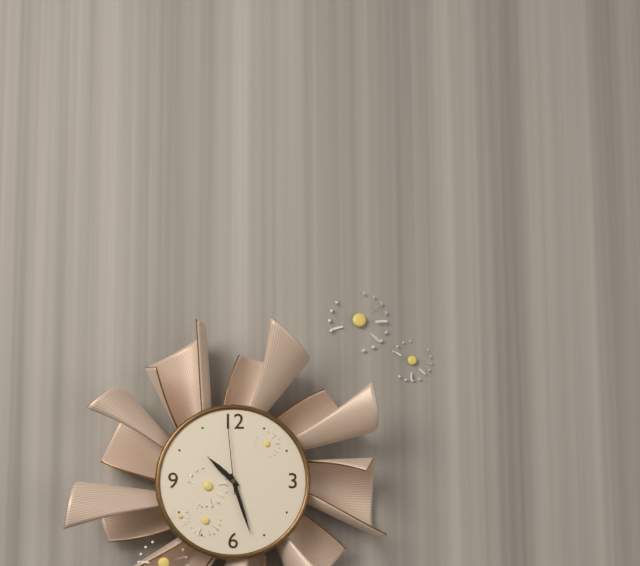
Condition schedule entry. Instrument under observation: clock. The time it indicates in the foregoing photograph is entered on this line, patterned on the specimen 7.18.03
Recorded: 10.27.59
